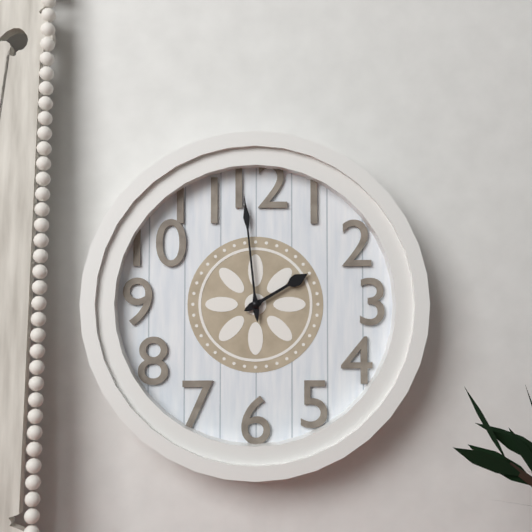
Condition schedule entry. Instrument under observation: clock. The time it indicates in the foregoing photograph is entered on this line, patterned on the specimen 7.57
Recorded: 1.59
